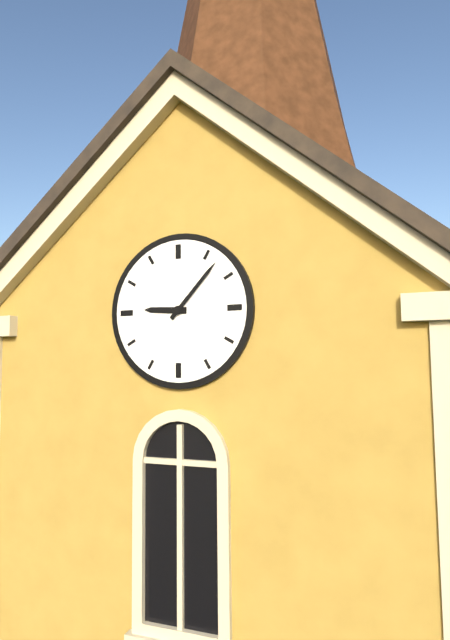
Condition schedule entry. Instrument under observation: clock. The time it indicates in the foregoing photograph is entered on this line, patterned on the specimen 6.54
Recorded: 9.07
